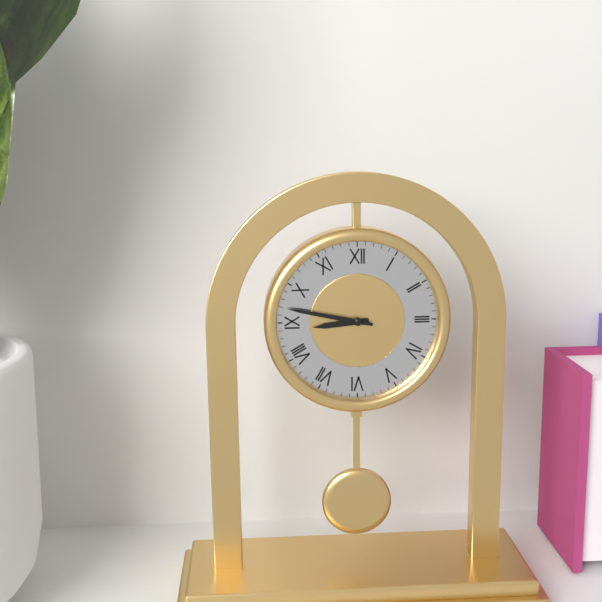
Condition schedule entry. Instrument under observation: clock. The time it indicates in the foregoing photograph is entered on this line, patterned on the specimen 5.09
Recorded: 8.47
